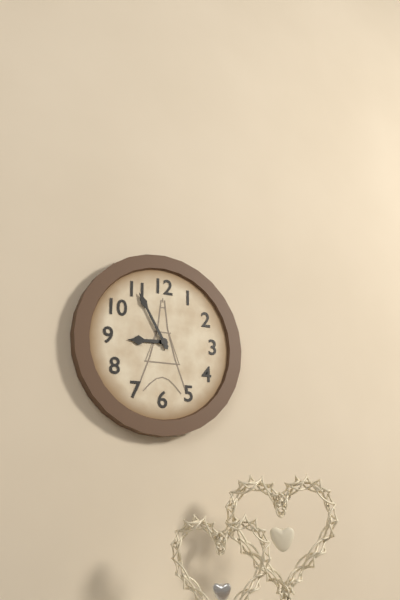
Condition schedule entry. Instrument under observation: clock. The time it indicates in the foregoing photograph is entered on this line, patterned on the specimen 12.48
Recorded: 8.55
